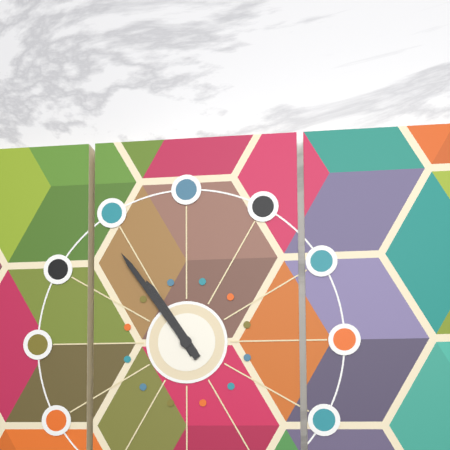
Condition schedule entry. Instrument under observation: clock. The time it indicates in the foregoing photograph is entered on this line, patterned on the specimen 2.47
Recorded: 10.54
